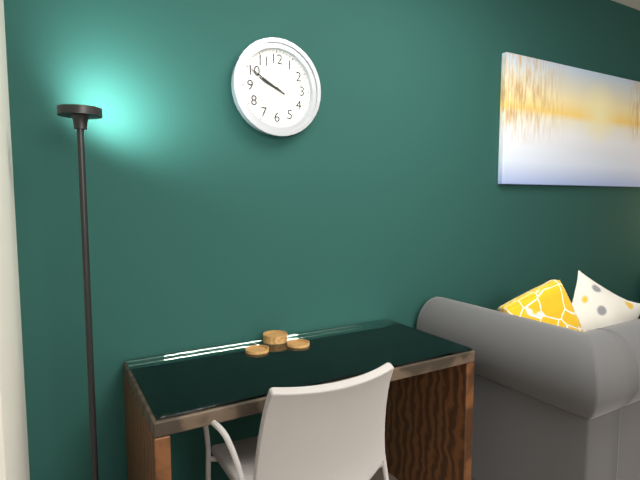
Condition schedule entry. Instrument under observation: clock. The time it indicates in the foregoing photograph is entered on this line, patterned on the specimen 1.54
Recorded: 9.50
